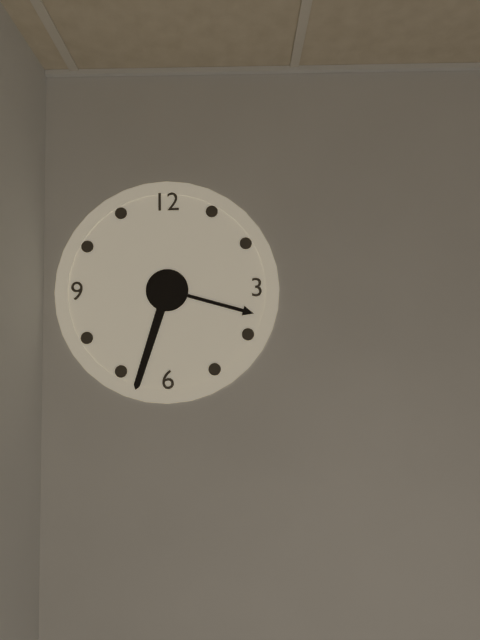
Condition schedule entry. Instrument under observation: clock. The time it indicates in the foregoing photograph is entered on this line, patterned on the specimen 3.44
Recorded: 3.33
